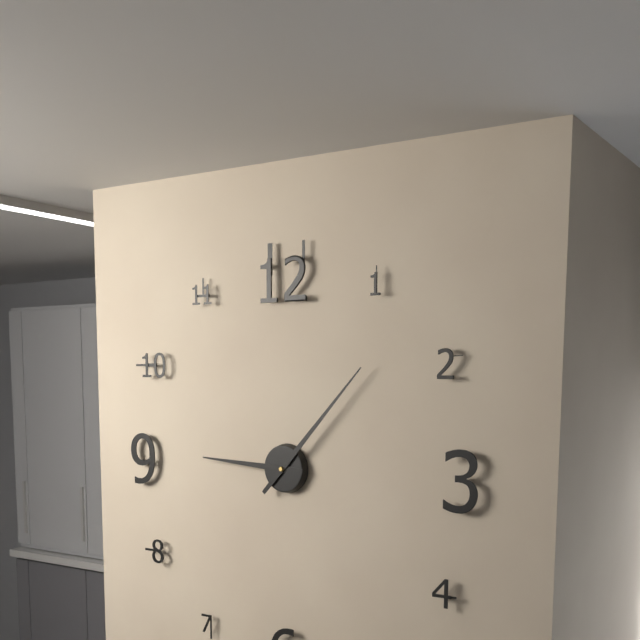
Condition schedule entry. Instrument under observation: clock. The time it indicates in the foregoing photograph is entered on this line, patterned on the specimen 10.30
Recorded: 9.07
